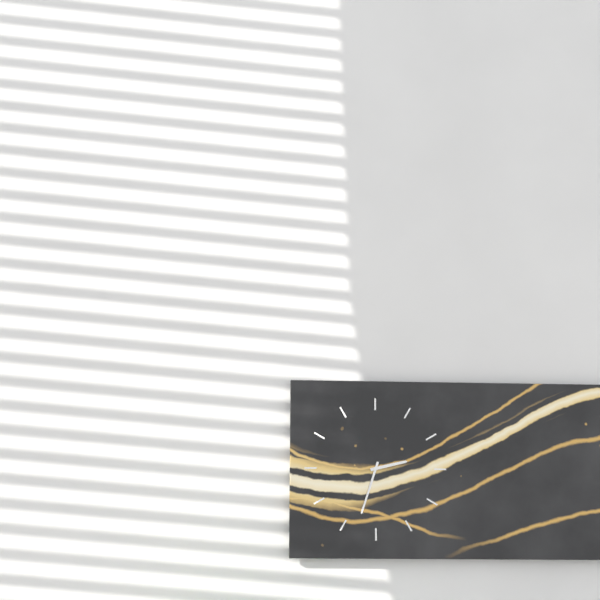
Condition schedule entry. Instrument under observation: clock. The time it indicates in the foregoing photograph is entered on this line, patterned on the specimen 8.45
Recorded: 2.33
